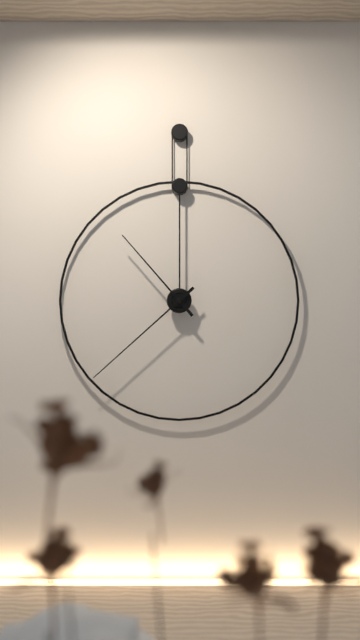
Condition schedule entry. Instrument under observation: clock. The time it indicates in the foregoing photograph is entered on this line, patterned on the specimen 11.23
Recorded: 10.38
